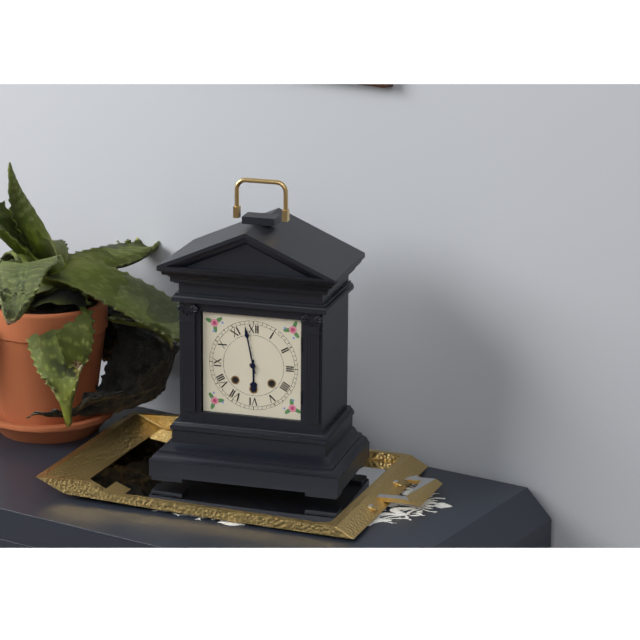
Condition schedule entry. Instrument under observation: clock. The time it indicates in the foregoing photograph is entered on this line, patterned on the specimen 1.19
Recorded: 5.58
